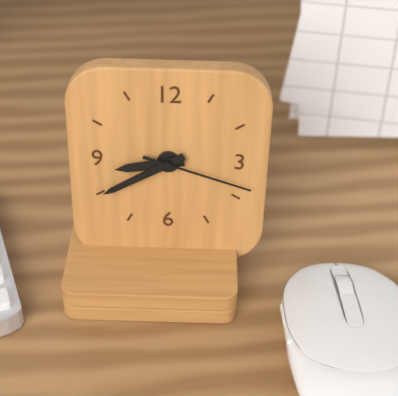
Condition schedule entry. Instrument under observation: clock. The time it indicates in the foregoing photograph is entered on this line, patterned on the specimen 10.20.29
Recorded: 8.40.18
